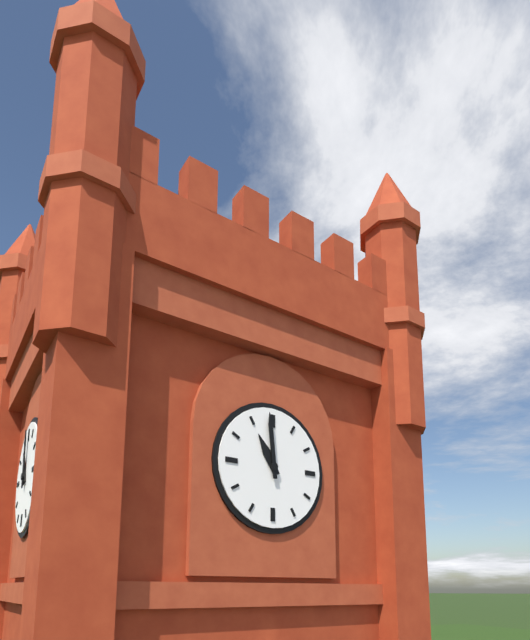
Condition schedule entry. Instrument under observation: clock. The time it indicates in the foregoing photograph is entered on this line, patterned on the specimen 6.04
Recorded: 10.59
